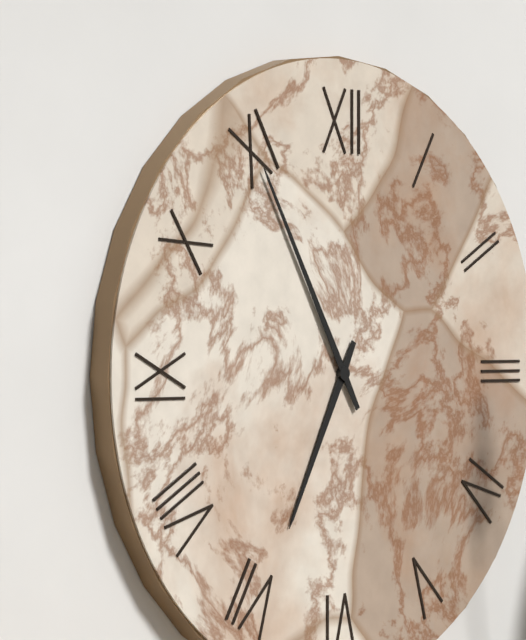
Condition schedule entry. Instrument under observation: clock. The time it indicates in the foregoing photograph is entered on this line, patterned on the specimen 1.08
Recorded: 6.55
